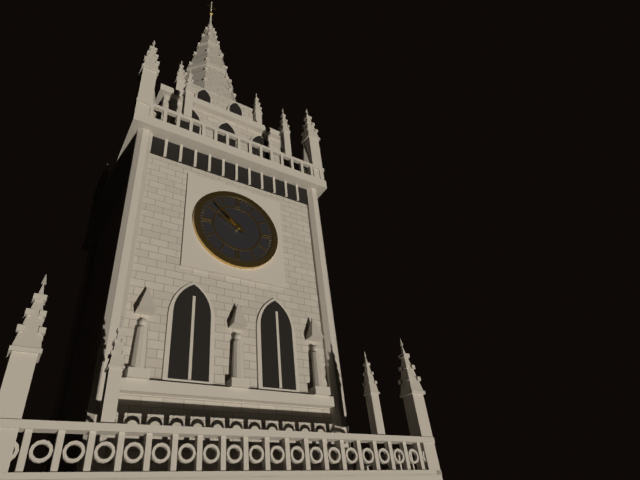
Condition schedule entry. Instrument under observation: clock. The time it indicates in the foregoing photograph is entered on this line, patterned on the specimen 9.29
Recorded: 9.52
